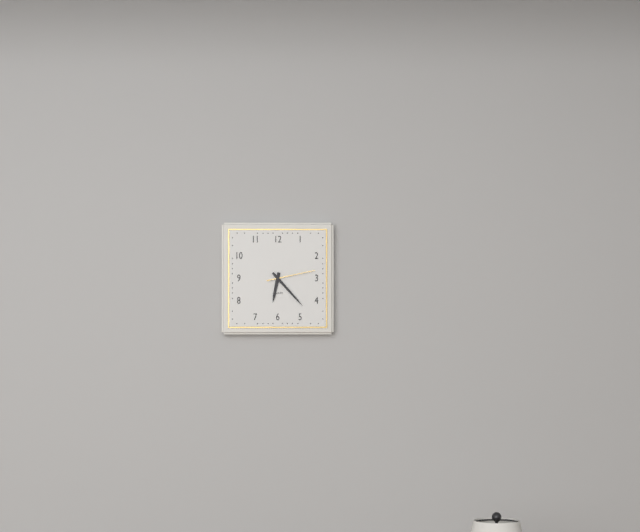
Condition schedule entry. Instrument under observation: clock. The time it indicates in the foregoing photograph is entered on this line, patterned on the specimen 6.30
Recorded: 6.23
